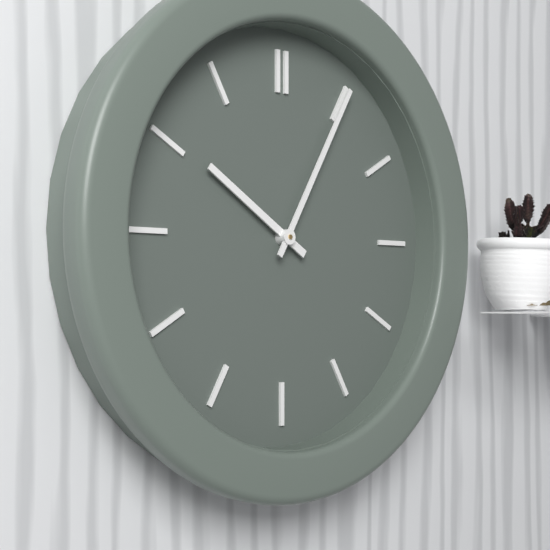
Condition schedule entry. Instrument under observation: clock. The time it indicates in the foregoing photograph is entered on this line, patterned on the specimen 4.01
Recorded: 10.05
